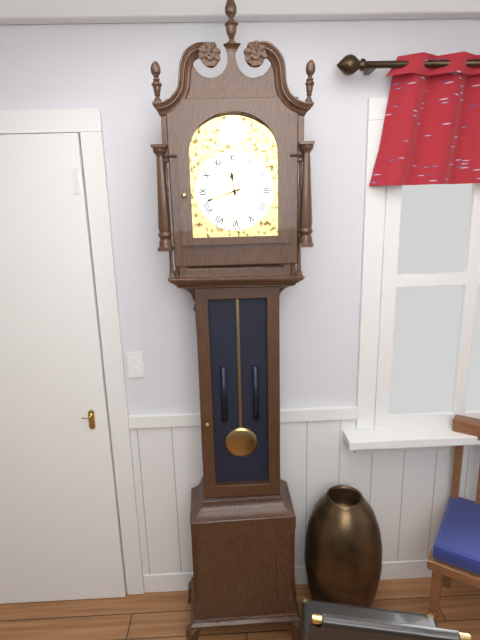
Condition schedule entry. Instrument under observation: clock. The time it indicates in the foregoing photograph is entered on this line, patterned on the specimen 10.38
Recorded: 11.42
